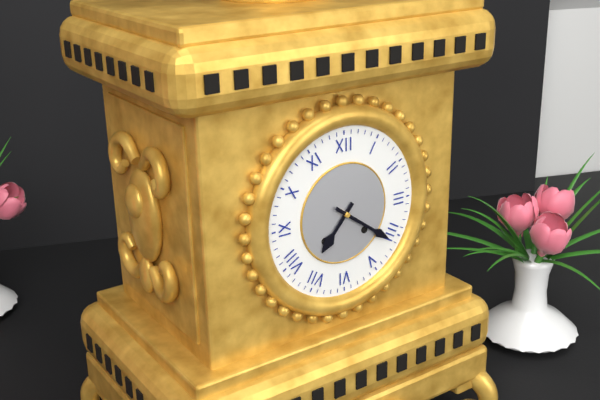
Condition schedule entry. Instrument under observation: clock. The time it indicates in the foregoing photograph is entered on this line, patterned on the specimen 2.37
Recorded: 7.21
